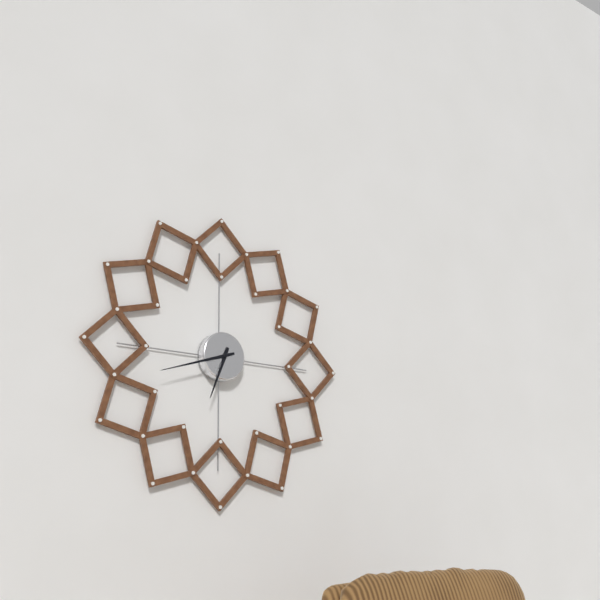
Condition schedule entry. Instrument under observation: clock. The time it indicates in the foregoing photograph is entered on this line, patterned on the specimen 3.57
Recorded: 6.42
